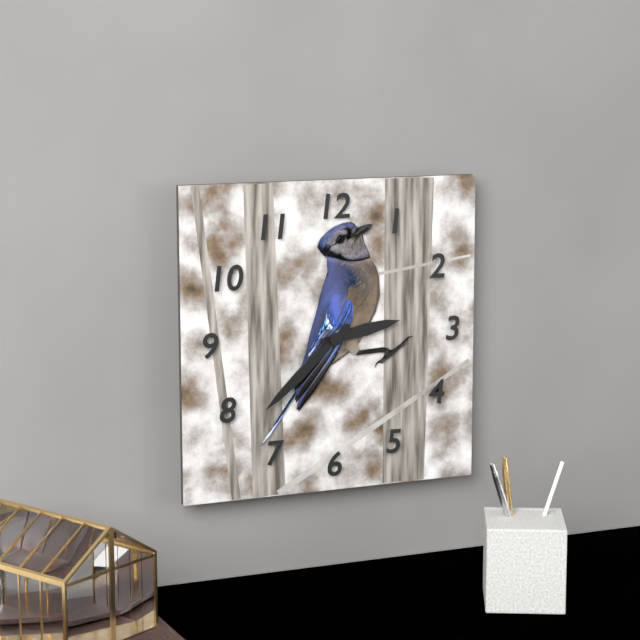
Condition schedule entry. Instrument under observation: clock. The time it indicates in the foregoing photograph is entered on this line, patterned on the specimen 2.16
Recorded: 2.38
